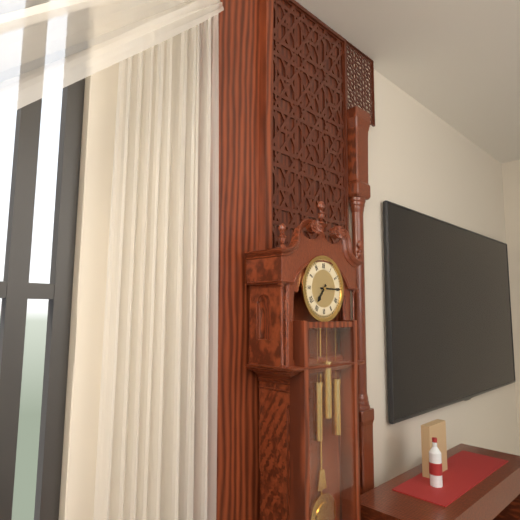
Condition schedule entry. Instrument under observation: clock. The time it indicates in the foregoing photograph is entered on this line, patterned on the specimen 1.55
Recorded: 7.15
